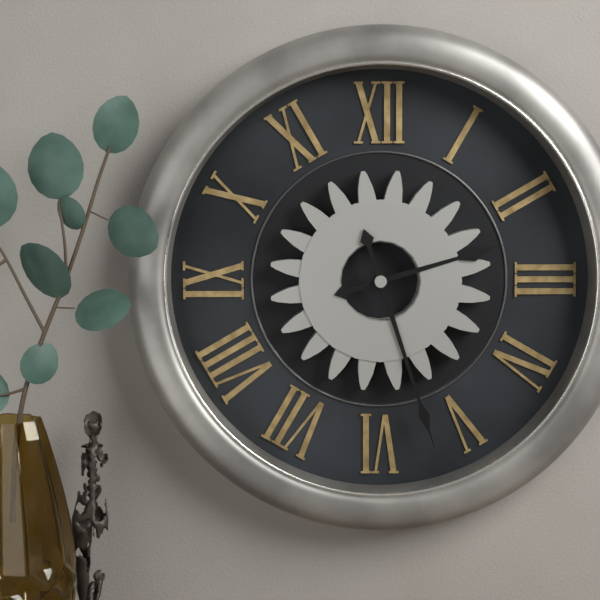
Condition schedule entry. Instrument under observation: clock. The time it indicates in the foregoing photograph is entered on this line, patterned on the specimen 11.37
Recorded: 2.27
